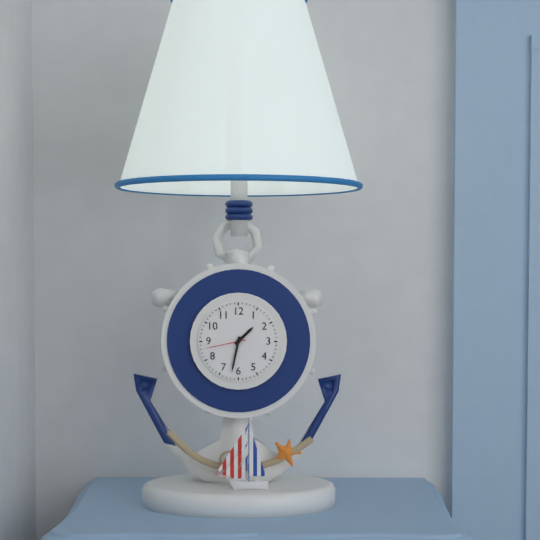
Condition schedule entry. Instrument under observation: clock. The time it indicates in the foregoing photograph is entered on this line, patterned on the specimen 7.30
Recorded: 1.32
